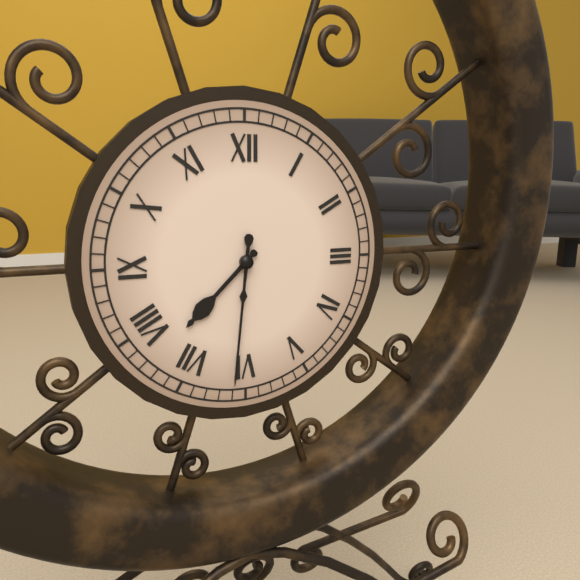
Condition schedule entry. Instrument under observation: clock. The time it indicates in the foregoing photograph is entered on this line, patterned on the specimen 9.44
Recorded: 7.31
